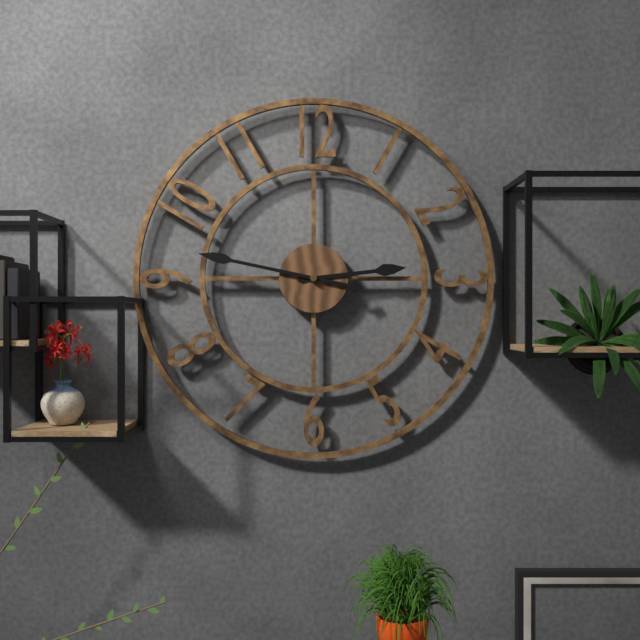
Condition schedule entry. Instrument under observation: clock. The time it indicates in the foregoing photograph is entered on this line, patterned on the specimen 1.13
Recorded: 2.47
